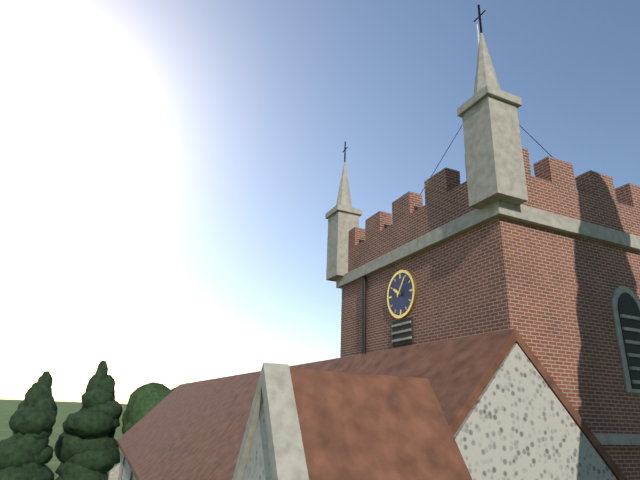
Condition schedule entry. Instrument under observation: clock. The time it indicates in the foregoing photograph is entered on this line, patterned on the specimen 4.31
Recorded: 10.06
